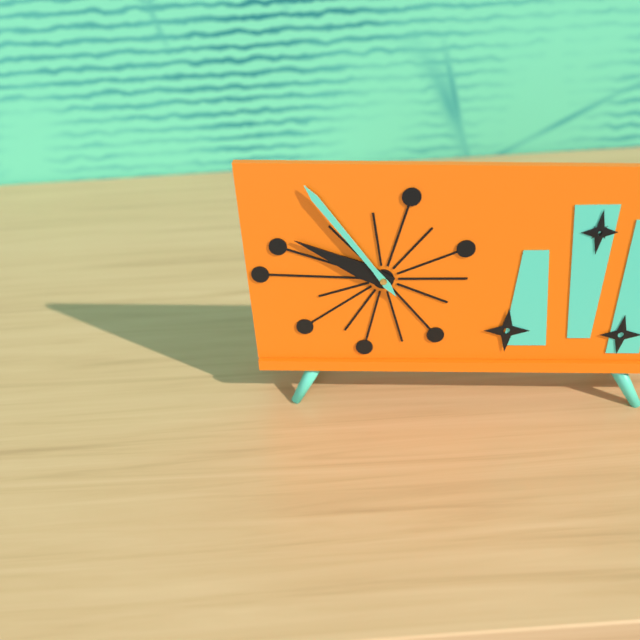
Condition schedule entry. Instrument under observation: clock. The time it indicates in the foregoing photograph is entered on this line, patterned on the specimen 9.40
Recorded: 9.54
